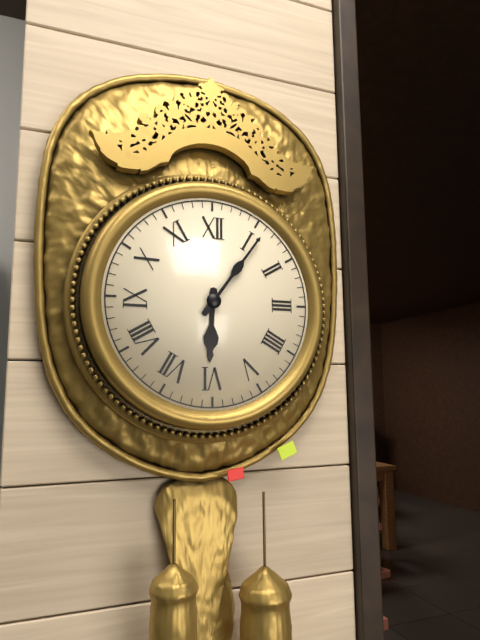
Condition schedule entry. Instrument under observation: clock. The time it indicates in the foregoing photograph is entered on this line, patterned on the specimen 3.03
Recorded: 6.06
